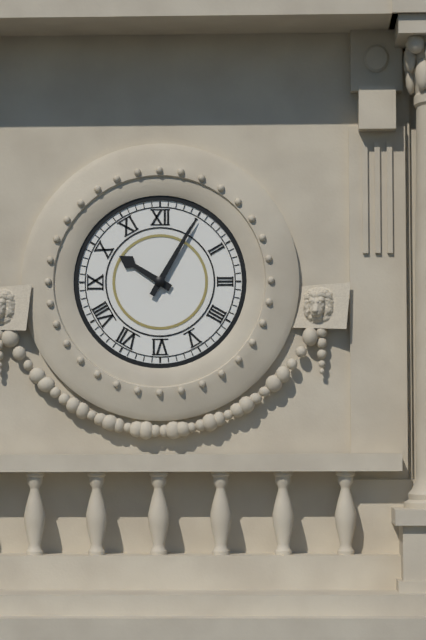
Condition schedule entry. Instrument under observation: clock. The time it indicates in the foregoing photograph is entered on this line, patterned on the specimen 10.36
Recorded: 10.05
